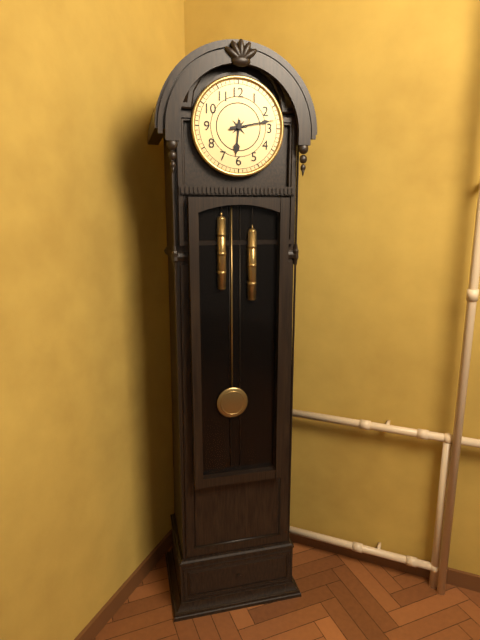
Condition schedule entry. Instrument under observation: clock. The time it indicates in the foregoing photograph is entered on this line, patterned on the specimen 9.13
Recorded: 6.13
